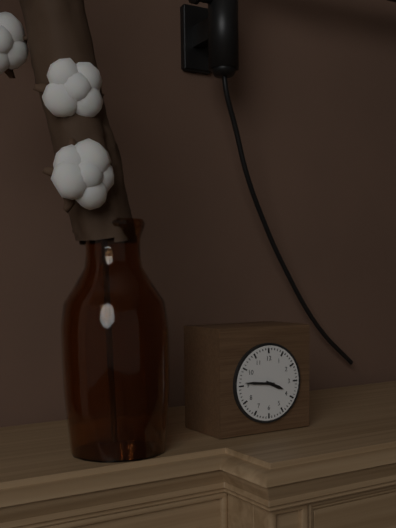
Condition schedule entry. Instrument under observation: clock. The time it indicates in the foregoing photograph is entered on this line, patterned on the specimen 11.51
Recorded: 3.46
